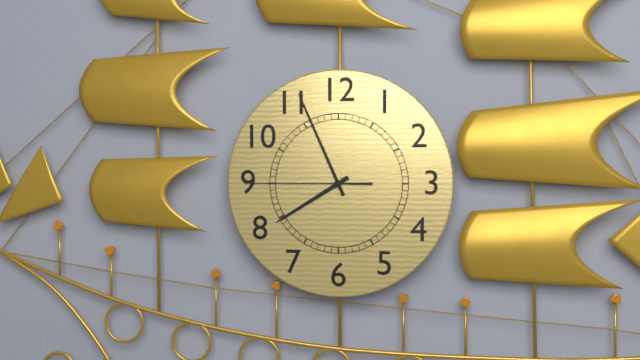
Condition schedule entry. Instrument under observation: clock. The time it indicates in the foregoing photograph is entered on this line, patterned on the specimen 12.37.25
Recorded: 7.56.45
